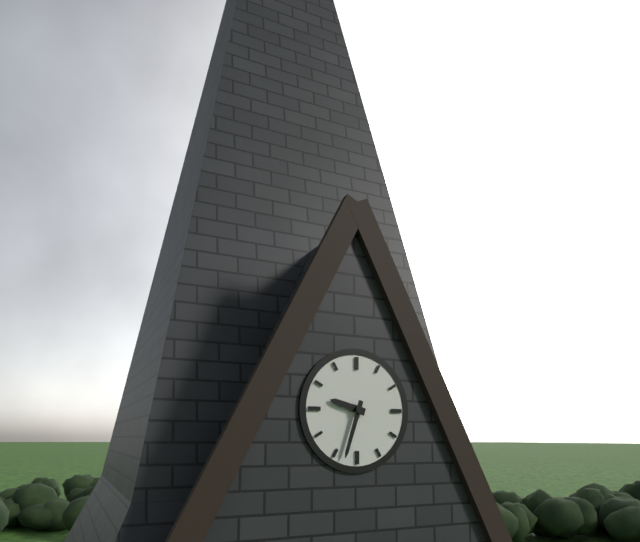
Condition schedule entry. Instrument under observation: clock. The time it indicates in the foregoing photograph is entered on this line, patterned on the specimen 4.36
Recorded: 9.33
